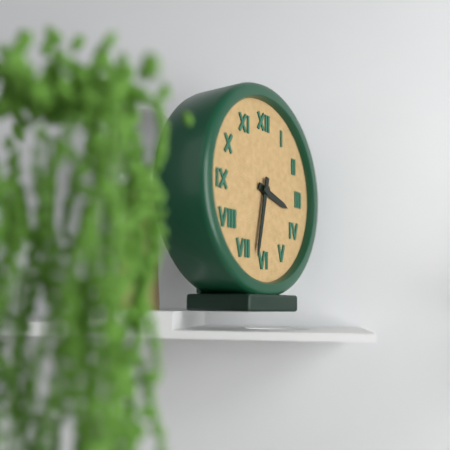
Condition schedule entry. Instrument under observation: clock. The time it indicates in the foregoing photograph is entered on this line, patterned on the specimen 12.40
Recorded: 3.32
